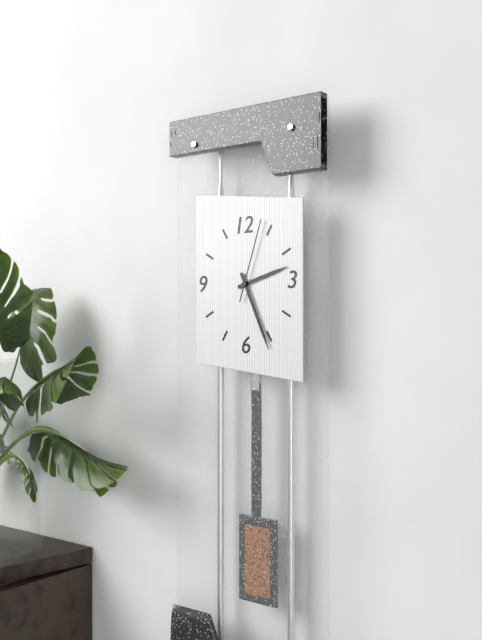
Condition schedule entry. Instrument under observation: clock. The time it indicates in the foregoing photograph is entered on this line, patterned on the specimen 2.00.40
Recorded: 2.26.03
